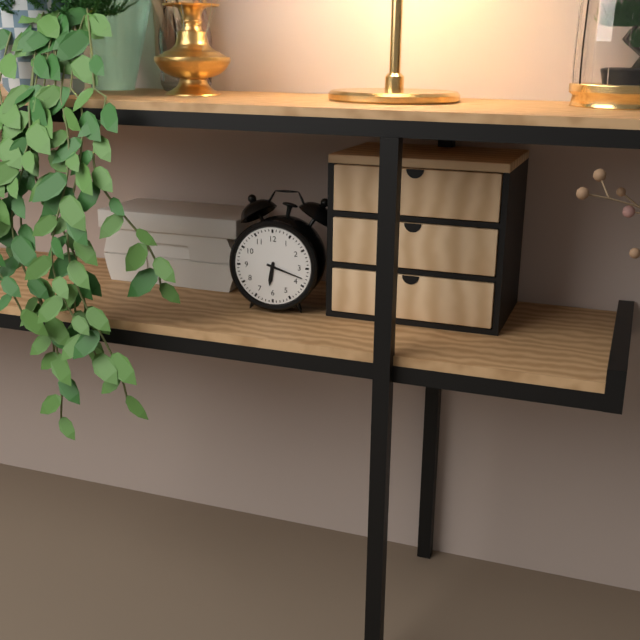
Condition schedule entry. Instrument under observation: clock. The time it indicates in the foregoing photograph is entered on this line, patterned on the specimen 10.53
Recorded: 6.18
